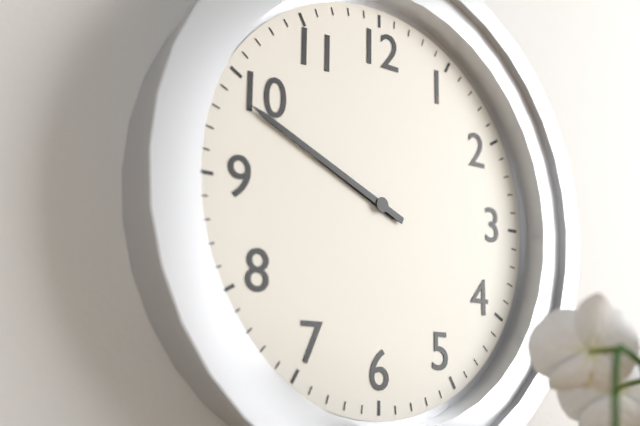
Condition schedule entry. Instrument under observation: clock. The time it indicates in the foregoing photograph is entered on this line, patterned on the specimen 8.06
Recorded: 9.49
